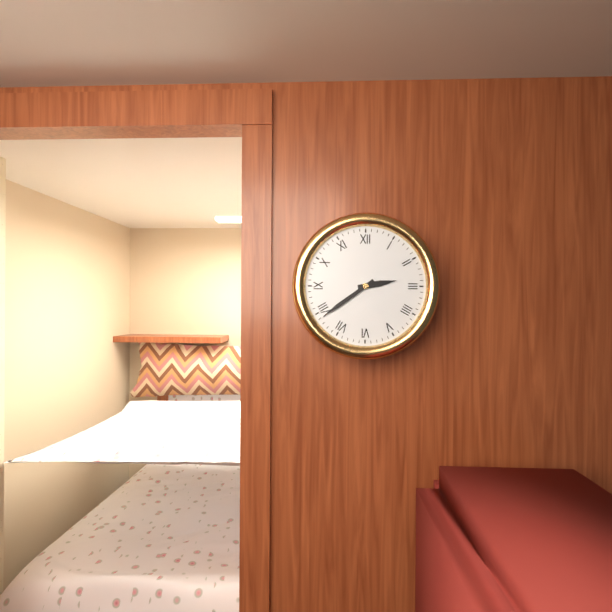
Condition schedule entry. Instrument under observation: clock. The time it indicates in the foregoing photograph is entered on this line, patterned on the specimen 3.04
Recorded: 2.39
